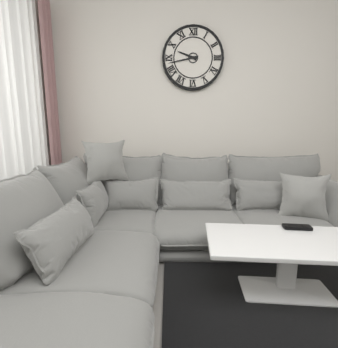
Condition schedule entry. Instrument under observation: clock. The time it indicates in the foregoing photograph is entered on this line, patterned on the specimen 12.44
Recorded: 9.43
